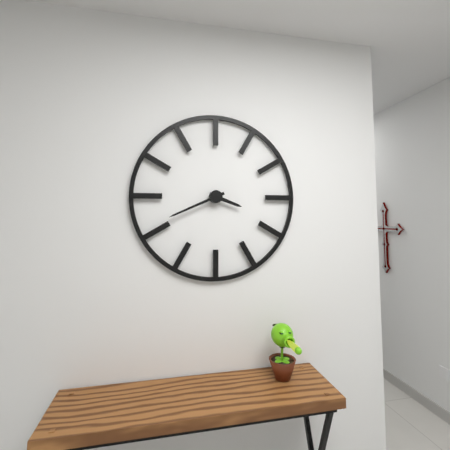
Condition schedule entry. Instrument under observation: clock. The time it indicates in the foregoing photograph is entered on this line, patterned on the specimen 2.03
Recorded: 3.41
